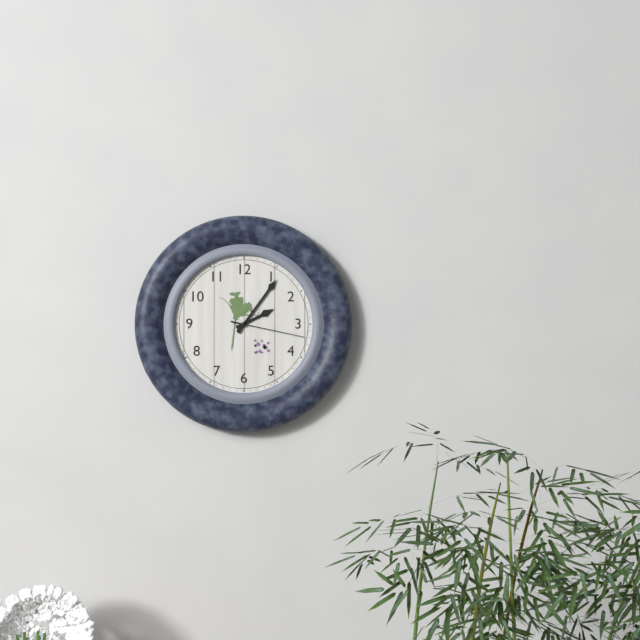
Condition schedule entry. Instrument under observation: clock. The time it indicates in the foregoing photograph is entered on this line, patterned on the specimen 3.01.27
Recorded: 2.06.17
